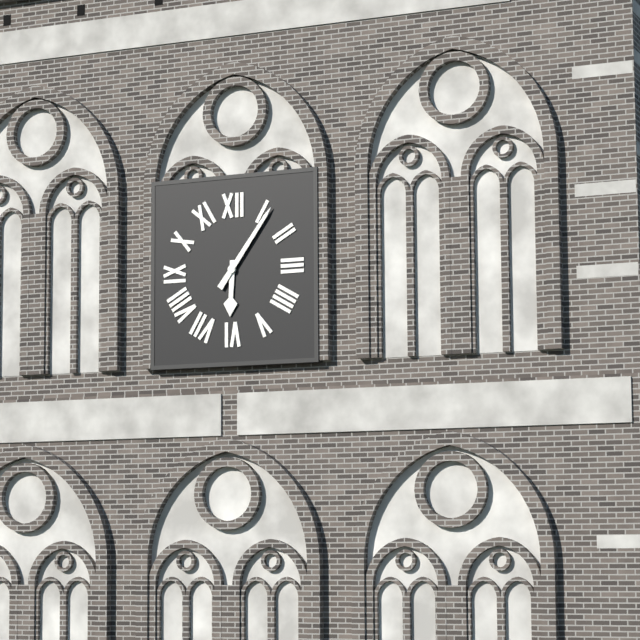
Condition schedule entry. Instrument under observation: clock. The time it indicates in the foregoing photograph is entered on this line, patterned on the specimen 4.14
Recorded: 6.06
